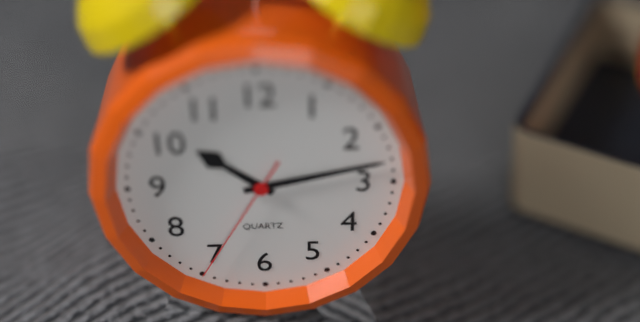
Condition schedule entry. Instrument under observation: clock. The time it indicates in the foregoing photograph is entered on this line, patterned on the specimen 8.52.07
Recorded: 10.13.35
